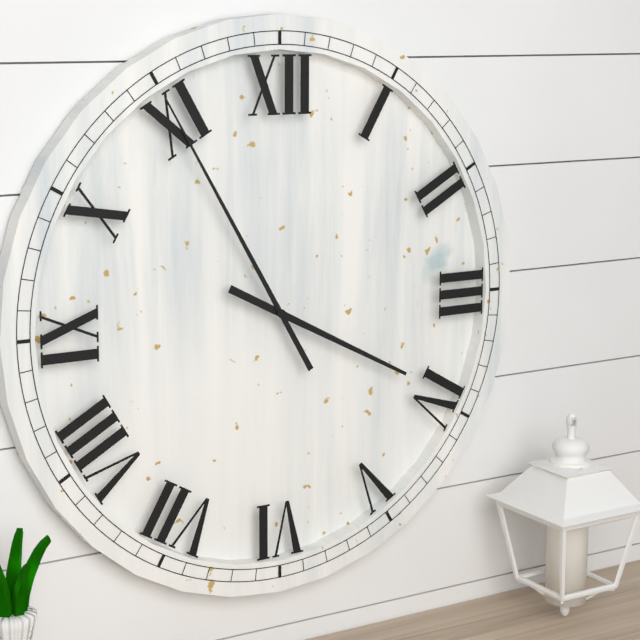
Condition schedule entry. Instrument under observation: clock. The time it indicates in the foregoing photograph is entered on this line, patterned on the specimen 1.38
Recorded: 3.55
